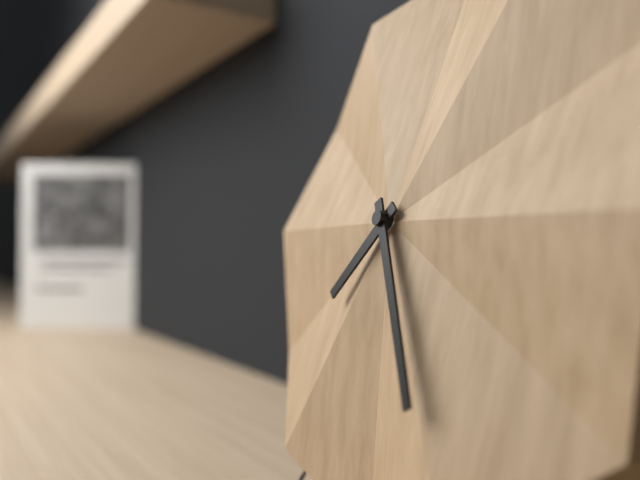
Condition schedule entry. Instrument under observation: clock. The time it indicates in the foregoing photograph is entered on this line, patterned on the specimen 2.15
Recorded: 7.25
